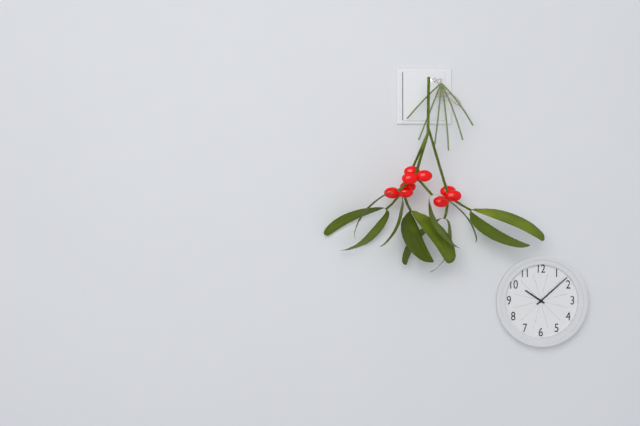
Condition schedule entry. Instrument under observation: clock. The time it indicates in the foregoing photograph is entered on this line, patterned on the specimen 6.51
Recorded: 10.08
